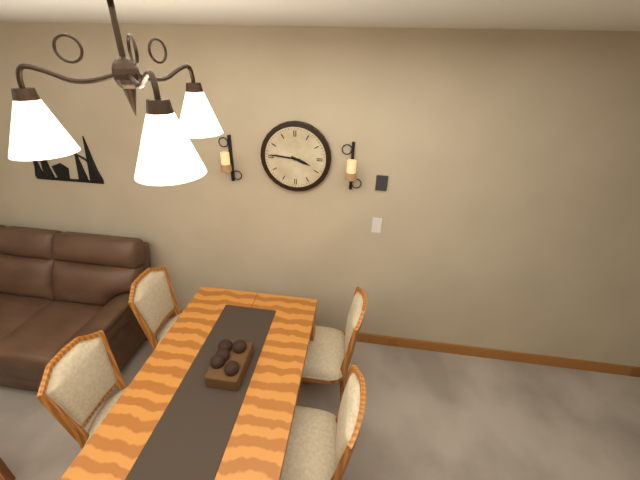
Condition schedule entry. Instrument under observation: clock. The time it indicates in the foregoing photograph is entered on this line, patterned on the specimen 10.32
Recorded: 3.46
